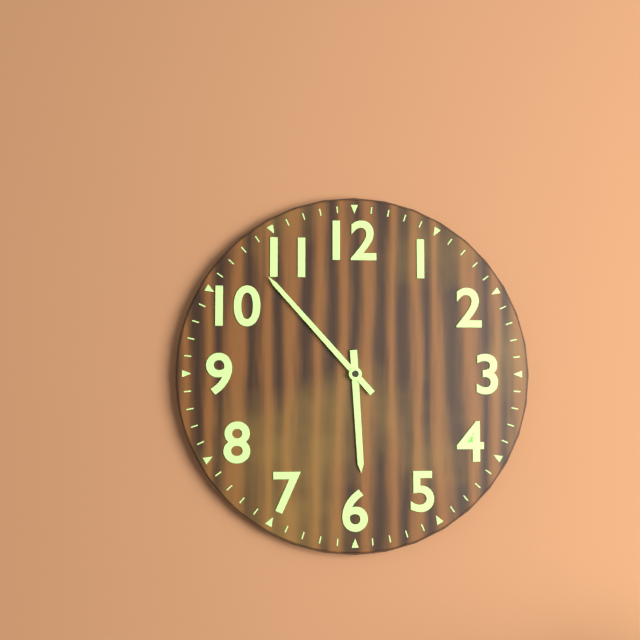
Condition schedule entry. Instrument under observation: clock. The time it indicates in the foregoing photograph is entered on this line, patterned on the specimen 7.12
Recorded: 5.53
